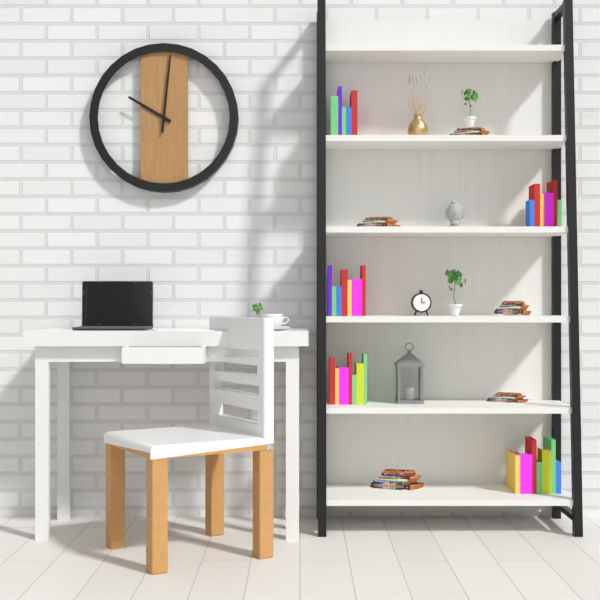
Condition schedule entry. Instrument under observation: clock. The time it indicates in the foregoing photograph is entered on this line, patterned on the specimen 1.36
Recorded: 10.01
